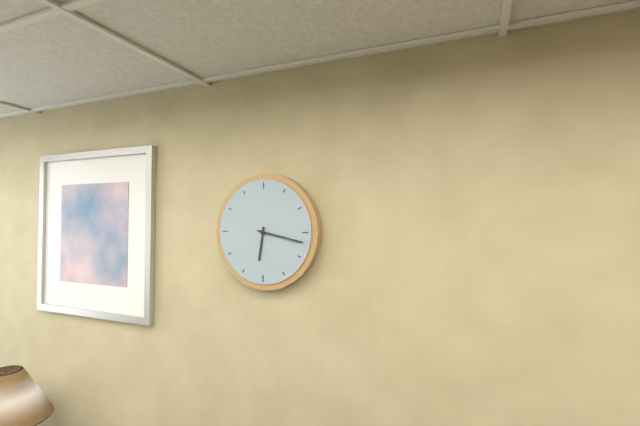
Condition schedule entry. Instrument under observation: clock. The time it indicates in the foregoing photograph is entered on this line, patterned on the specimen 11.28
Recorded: 6.17
